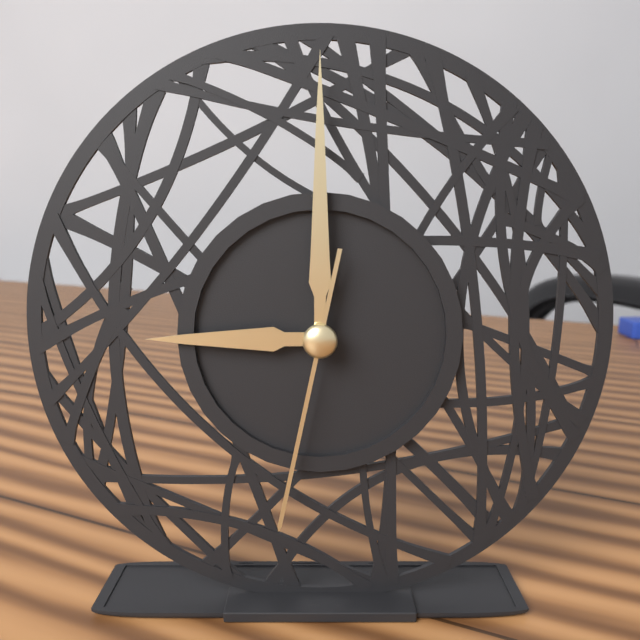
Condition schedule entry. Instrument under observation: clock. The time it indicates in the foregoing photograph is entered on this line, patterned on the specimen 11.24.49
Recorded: 9.00.32
